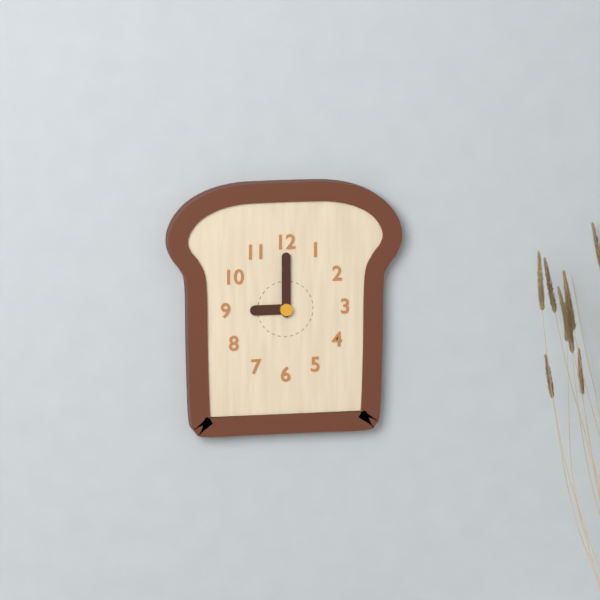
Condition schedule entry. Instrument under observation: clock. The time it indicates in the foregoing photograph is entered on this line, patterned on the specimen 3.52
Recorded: 9.00
